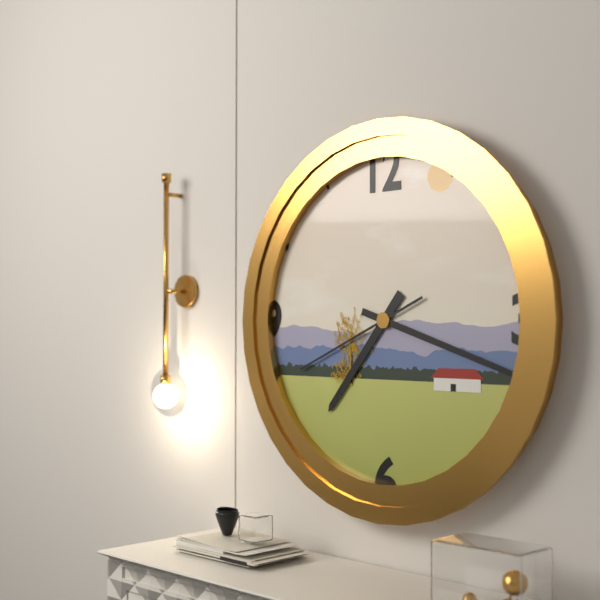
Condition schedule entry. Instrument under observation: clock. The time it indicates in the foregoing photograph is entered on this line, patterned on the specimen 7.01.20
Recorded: 7.18.41
